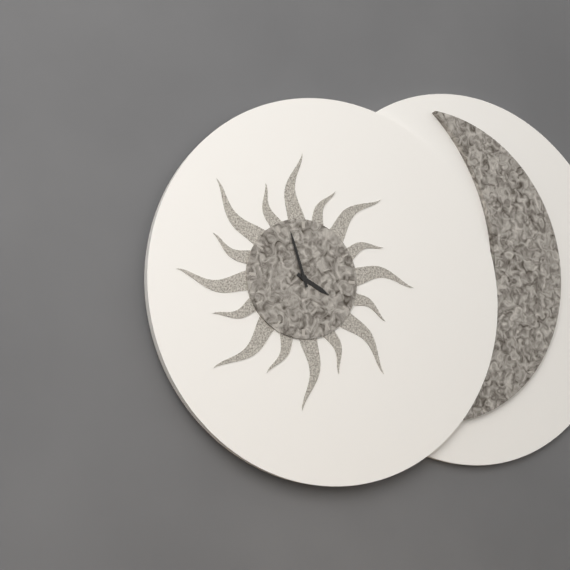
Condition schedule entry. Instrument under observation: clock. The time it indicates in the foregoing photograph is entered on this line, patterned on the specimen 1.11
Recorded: 3.57
